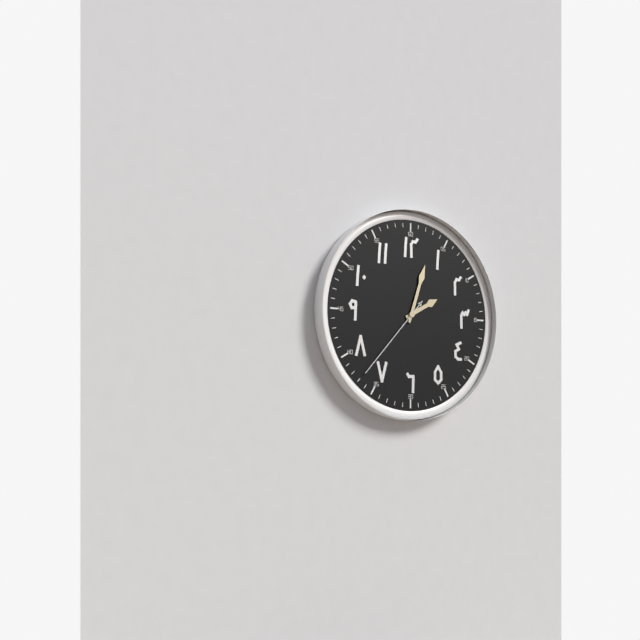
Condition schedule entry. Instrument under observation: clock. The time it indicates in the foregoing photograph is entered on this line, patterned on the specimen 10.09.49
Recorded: 2.03.37
